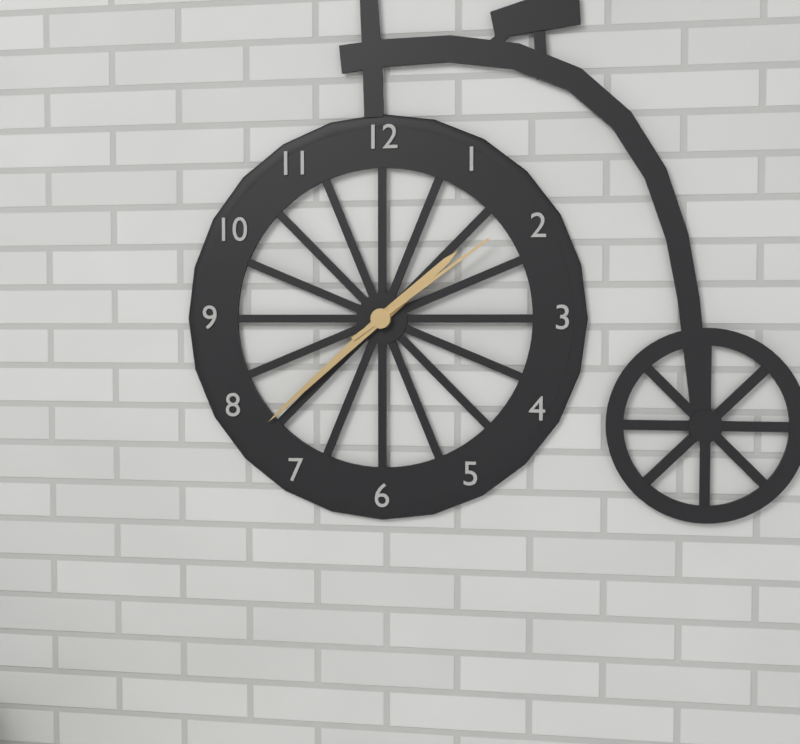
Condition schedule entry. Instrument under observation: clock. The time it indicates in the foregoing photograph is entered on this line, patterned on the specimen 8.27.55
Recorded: 1.38.09
